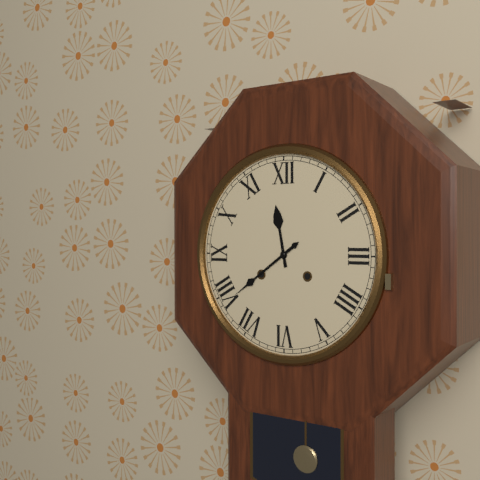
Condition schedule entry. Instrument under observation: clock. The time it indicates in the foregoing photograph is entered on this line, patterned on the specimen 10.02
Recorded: 11.39
